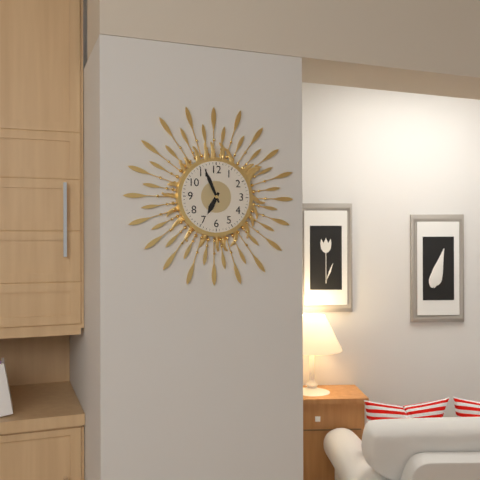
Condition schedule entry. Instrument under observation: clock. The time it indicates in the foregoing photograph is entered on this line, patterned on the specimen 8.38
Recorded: 6.56
